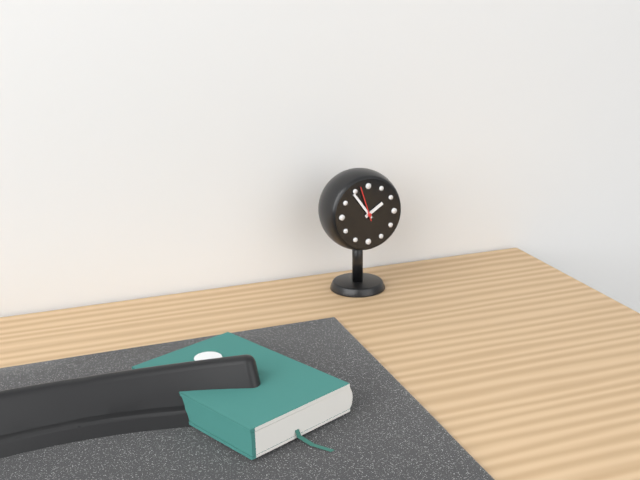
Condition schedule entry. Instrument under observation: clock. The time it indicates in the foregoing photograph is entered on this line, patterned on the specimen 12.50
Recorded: 1.54
